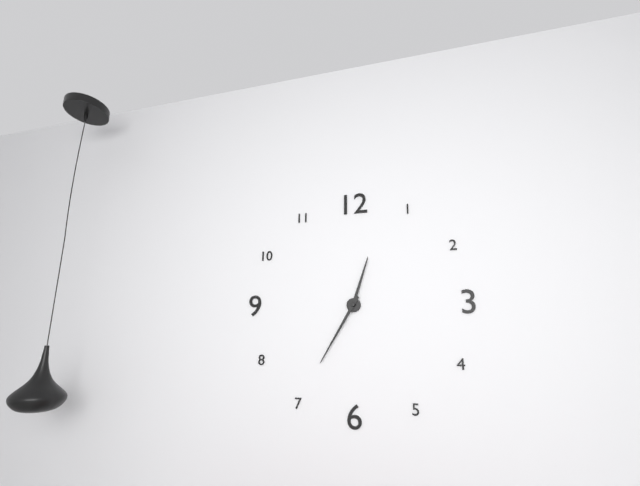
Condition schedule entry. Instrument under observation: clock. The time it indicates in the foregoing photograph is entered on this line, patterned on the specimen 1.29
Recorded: 12.35
